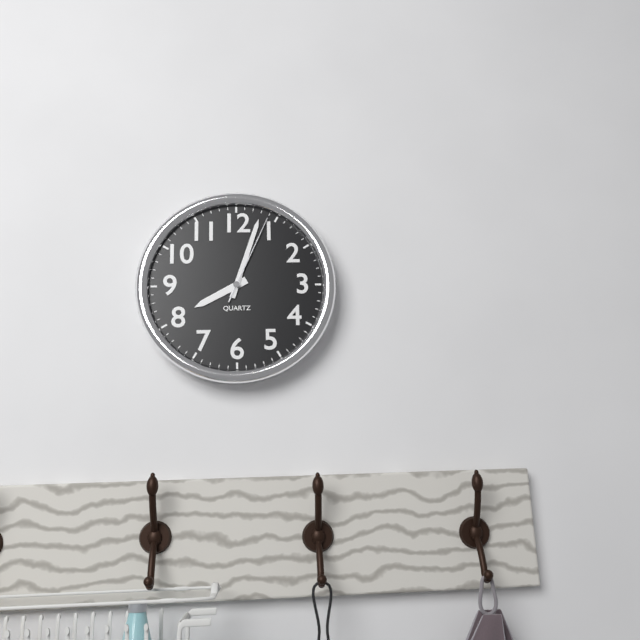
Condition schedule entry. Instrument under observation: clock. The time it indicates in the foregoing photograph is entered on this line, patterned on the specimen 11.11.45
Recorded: 8.03.04
